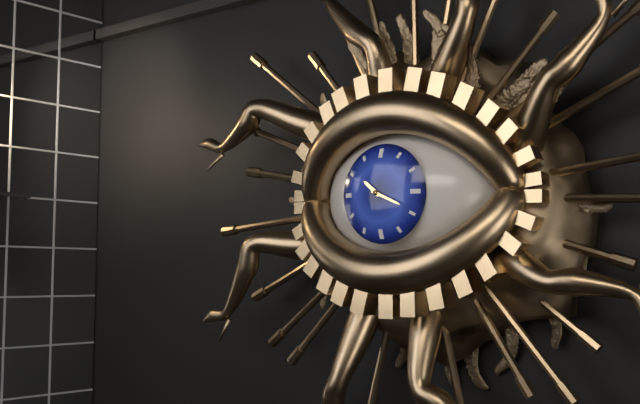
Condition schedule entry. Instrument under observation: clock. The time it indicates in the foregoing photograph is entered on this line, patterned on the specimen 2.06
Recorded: 10.19
